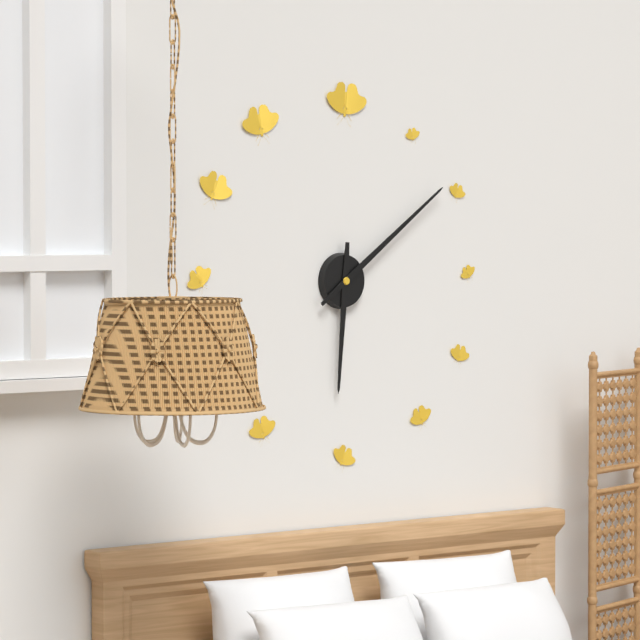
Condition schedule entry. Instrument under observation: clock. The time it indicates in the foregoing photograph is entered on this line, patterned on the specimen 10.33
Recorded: 6.09
